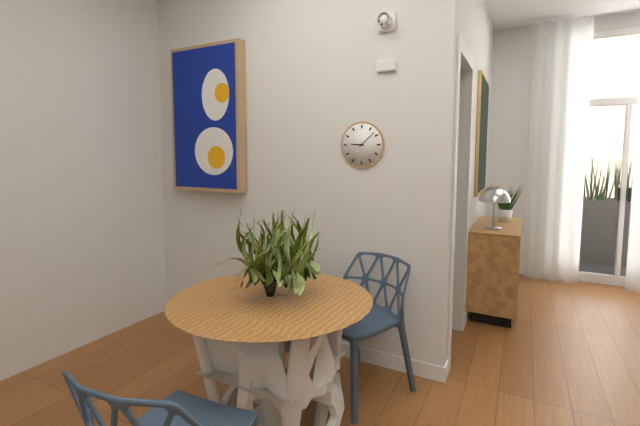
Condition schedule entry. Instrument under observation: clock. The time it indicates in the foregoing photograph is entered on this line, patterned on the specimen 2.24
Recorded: 9.08
